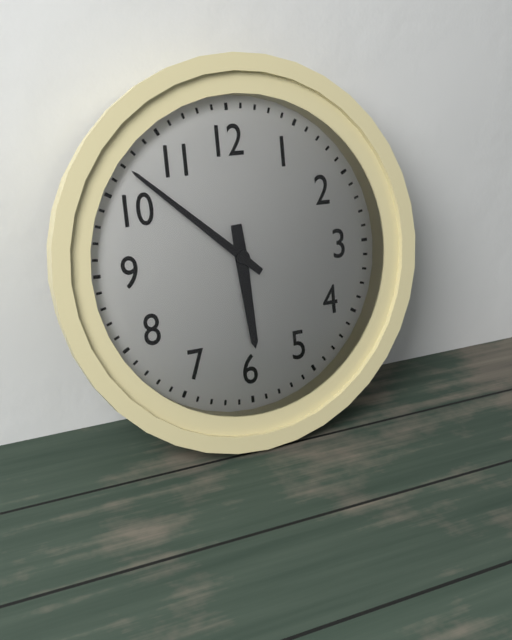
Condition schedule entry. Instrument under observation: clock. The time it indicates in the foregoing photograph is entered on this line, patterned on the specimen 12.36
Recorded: 5.52
